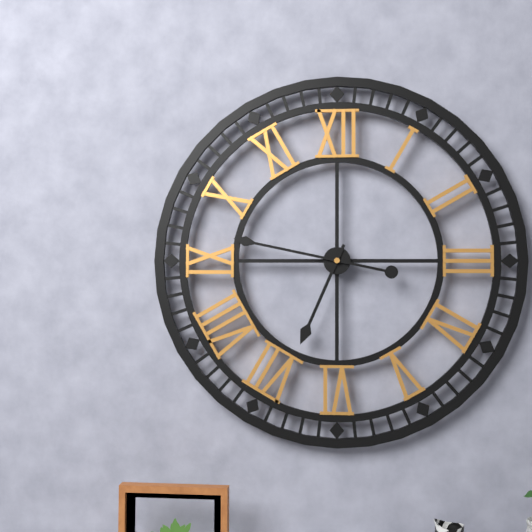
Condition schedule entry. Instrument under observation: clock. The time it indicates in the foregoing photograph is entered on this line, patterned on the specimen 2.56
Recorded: 6.47
